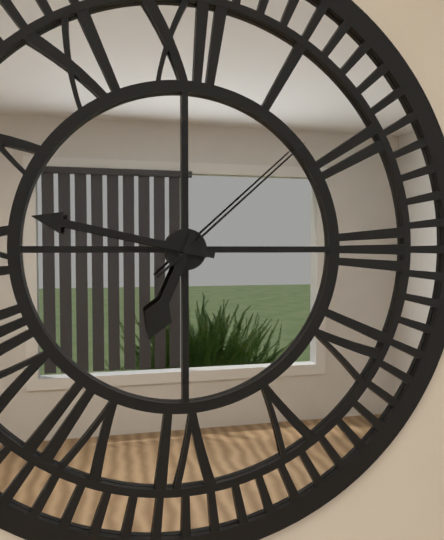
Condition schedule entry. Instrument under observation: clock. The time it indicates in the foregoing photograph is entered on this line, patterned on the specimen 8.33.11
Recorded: 6.47.08
